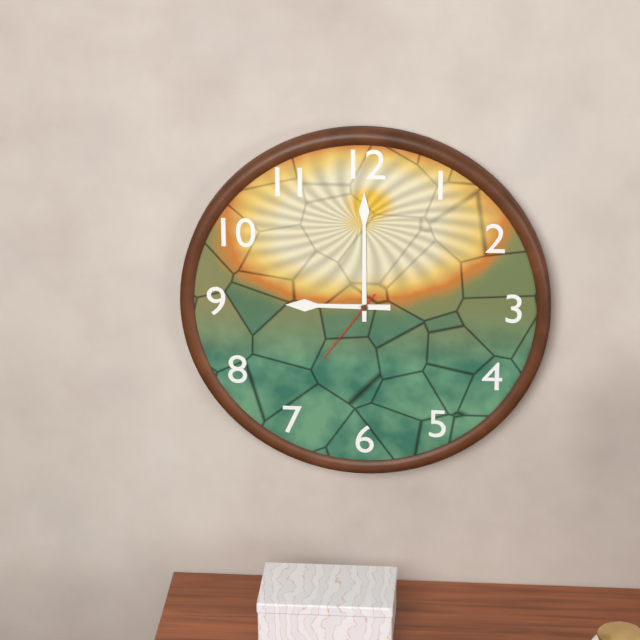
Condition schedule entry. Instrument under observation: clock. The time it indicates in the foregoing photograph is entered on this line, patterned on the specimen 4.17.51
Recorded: 9.00.36
